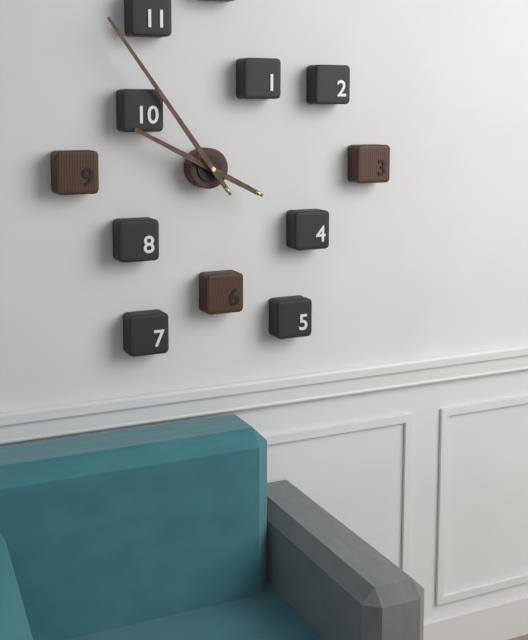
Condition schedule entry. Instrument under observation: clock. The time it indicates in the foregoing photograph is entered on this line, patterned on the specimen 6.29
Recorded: 9.54
